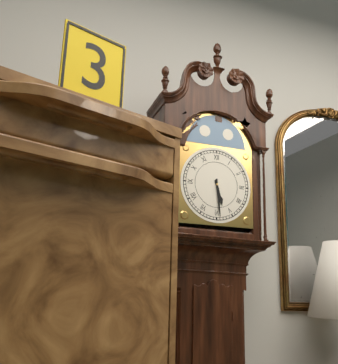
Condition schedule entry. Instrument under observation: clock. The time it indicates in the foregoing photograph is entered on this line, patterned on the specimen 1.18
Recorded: 5.29
